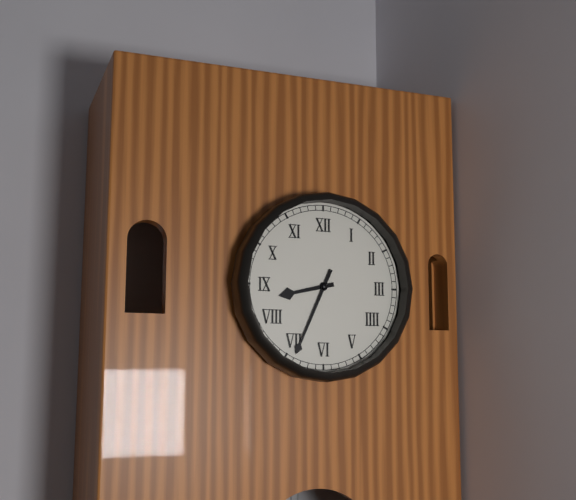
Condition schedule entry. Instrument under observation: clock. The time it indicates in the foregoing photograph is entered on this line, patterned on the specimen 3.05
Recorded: 8.34
